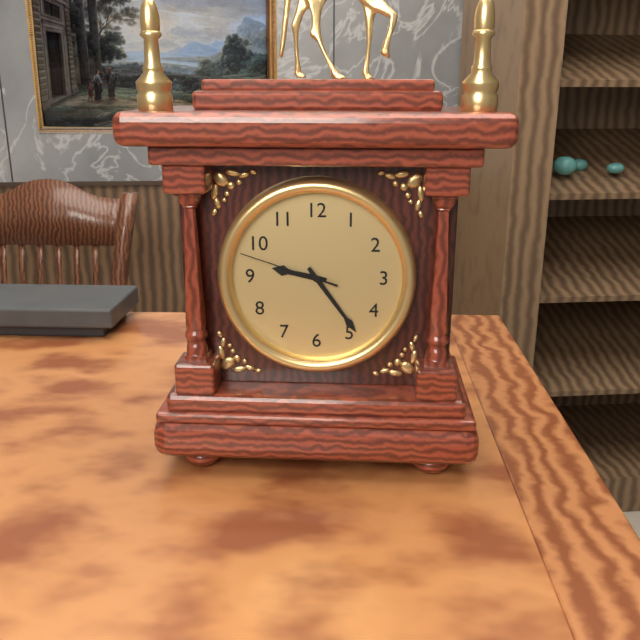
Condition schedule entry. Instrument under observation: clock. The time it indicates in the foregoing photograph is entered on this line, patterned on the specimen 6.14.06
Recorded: 9.24.48
